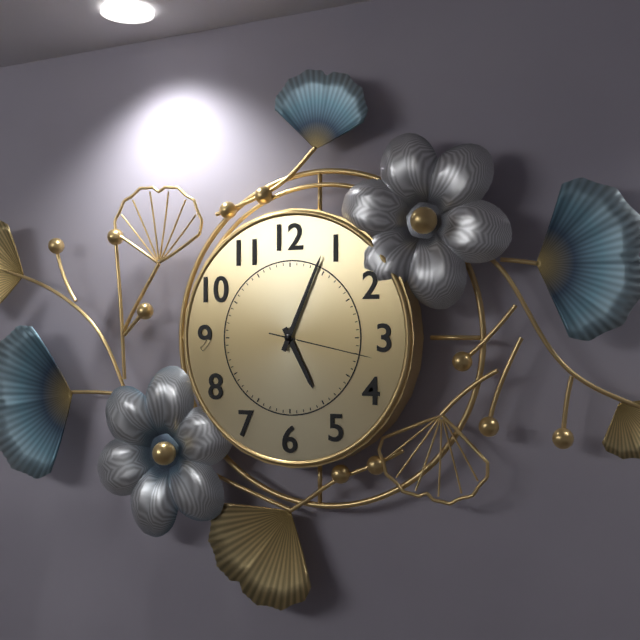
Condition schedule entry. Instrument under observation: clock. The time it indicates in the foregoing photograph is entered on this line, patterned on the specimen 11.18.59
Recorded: 5.04.17
